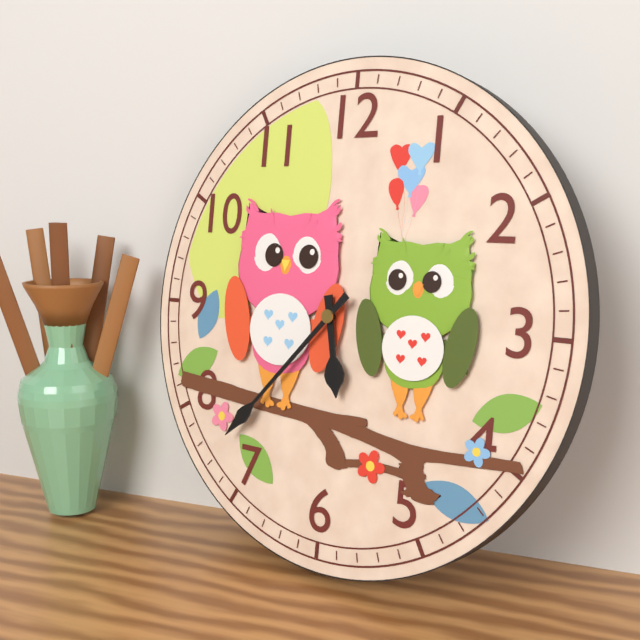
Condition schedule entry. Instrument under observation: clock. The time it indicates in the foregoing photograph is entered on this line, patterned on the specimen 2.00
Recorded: 5.37
